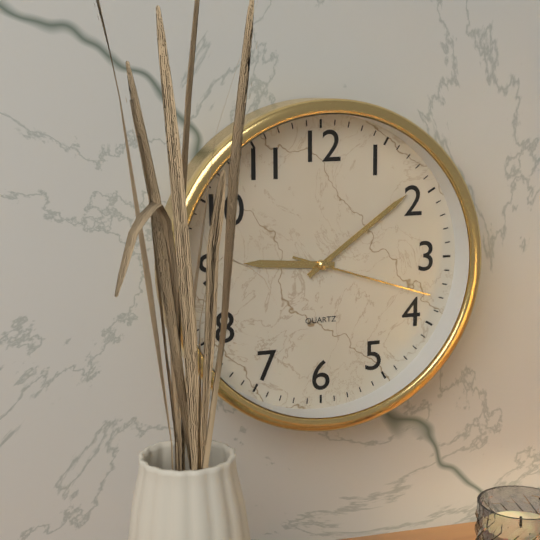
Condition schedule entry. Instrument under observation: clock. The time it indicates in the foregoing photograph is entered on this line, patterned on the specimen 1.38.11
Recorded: 9.09.18
